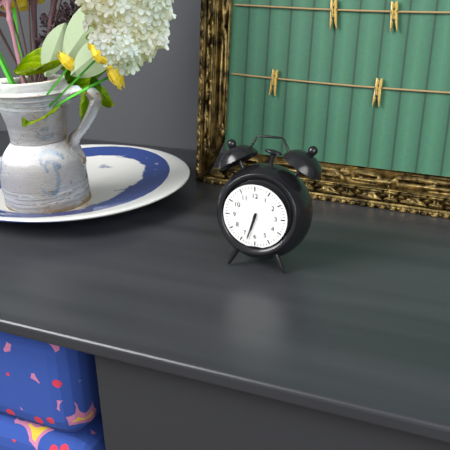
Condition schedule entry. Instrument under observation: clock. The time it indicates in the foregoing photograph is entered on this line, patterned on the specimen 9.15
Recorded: 6.33
